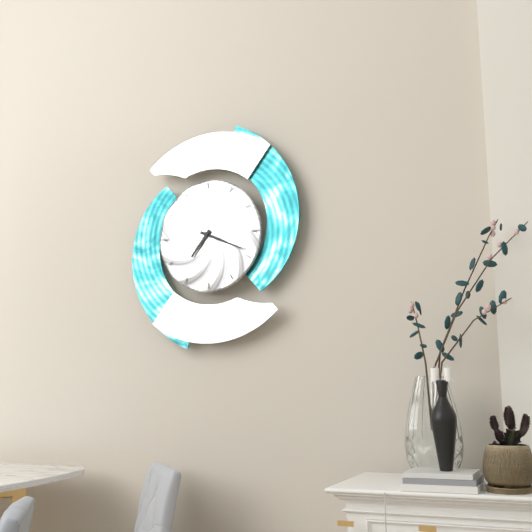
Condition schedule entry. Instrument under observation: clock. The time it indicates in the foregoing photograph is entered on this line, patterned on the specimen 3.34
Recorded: 7.19
